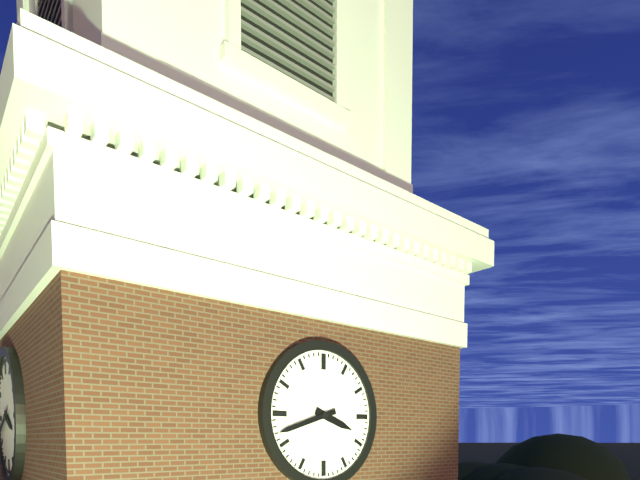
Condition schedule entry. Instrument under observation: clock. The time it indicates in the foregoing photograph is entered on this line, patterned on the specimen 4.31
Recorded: 3.42
